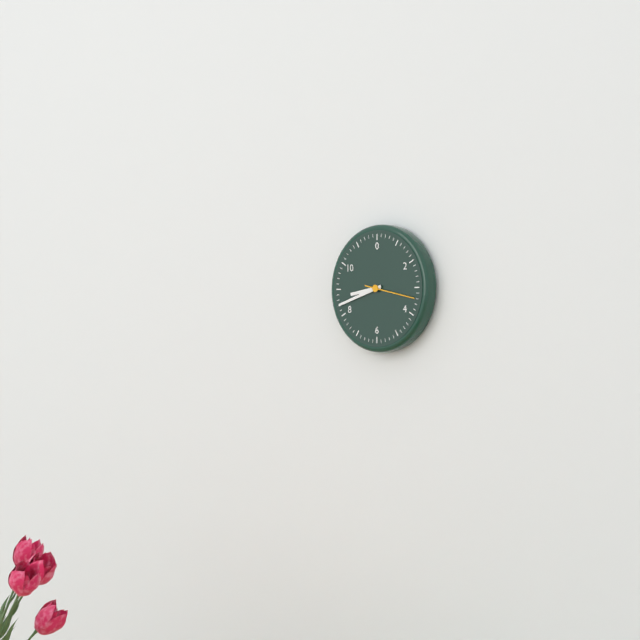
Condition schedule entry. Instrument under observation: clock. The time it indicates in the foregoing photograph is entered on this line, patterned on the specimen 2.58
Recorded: 8.42
